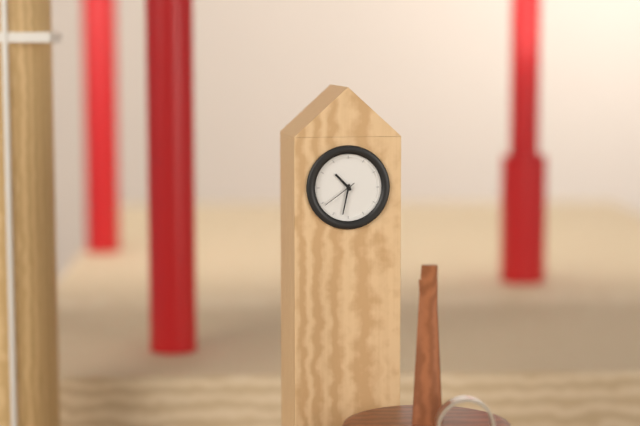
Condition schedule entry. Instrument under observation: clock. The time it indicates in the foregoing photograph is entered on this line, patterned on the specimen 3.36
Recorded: 10.32
